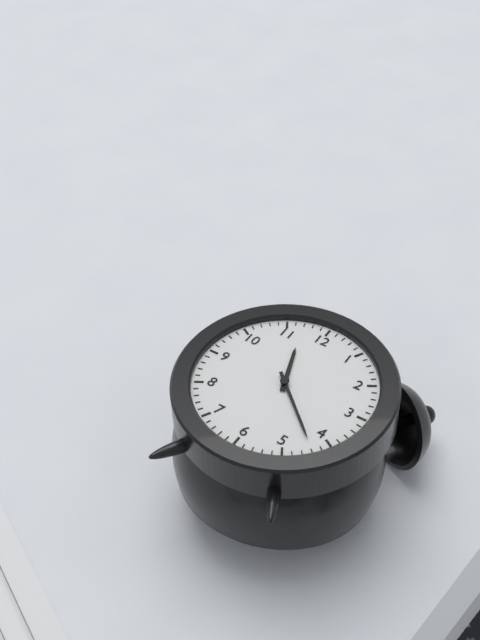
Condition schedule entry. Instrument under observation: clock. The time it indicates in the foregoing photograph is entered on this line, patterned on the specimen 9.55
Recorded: 11.22
